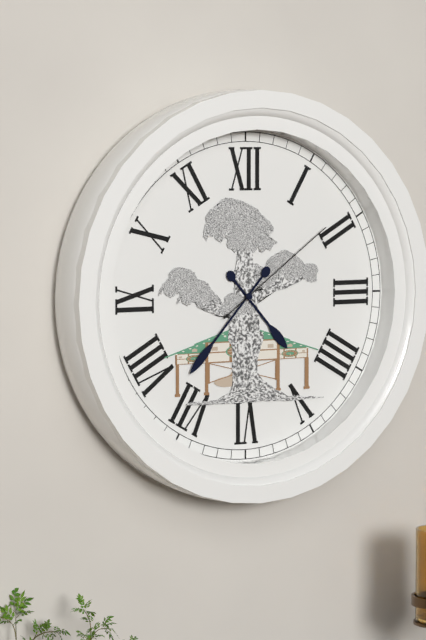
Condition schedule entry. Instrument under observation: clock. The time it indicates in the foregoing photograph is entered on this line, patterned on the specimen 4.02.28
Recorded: 4.37.09
